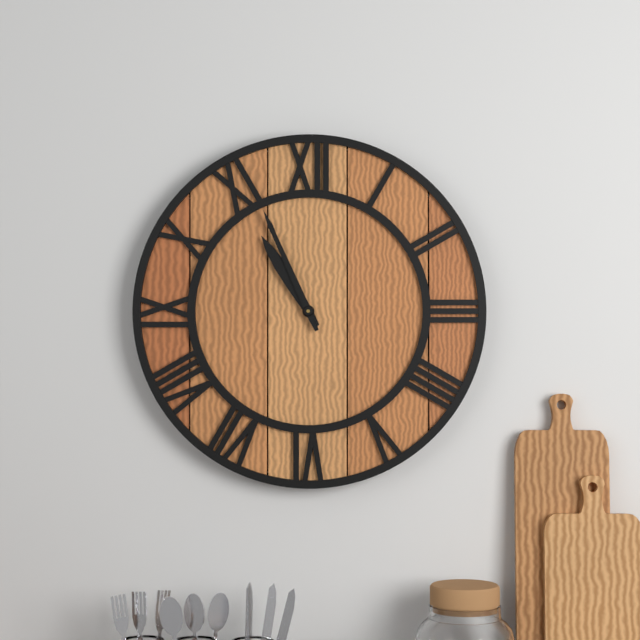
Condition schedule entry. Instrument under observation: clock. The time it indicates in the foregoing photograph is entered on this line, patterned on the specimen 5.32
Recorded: 10.56
